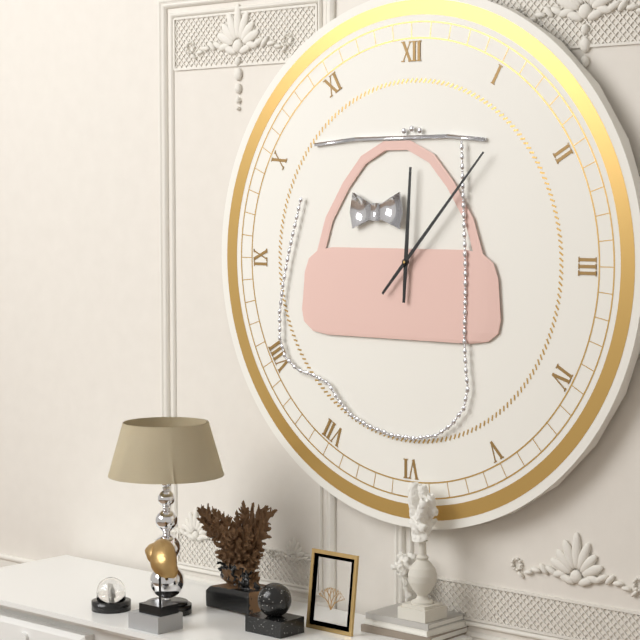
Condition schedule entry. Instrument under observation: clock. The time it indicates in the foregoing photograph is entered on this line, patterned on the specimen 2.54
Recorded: 12.07
